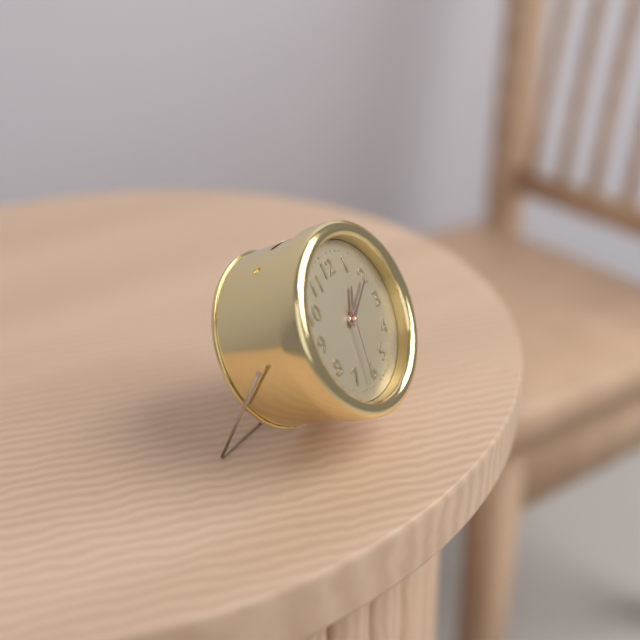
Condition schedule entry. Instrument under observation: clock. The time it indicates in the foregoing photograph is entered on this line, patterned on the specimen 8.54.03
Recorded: 1.10.32
